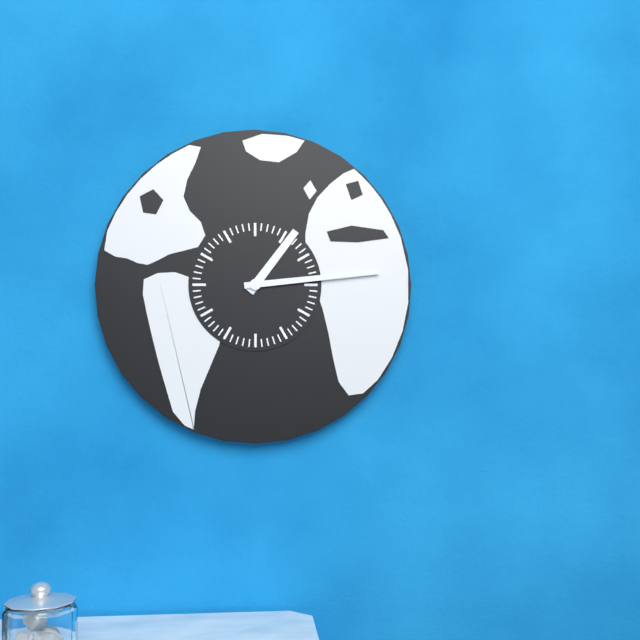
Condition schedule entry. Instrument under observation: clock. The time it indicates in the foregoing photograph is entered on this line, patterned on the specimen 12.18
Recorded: 1.14
